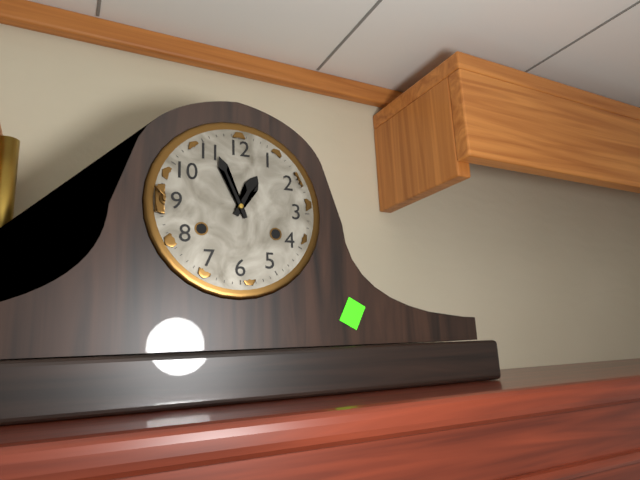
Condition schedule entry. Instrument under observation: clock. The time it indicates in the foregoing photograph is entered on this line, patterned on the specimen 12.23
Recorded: 12.56
